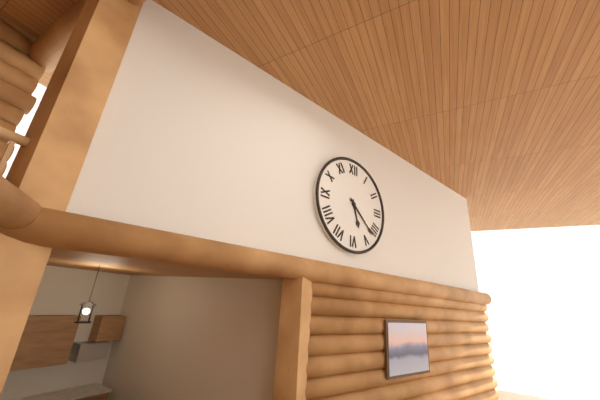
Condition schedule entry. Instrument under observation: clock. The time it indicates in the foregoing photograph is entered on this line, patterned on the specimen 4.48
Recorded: 5.22
